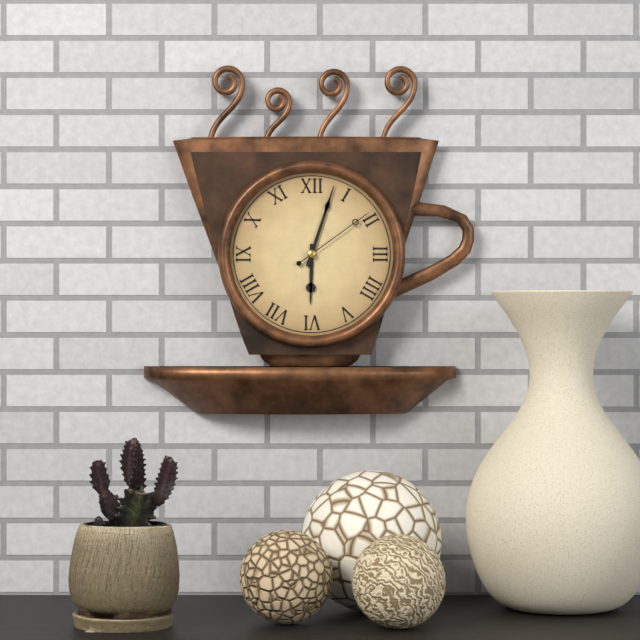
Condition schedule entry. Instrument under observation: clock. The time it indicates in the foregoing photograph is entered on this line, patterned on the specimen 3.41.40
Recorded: 6.03.09
